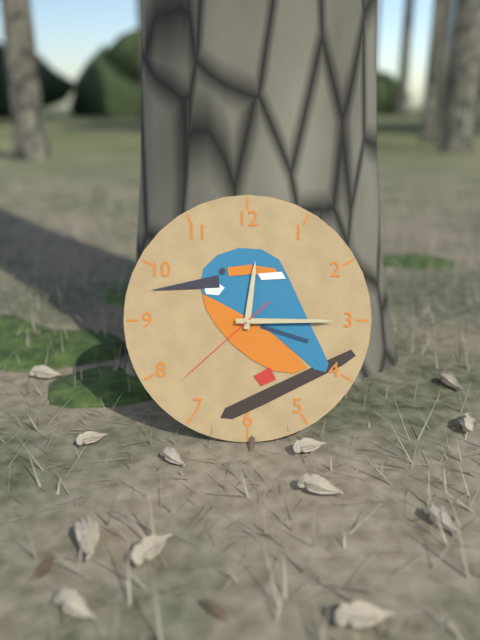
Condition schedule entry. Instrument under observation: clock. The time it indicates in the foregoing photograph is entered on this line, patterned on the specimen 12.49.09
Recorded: 12.15.38
